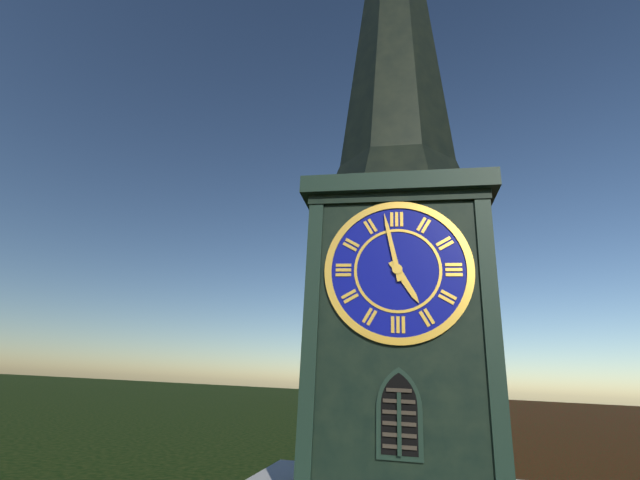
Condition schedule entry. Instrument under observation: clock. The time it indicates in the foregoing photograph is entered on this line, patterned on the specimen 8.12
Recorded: 4.58
